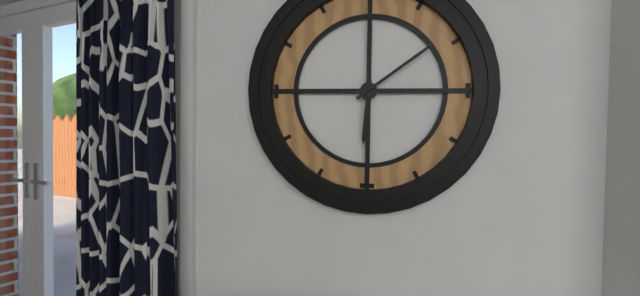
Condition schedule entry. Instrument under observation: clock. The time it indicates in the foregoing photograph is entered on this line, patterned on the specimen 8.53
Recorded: 6.09
